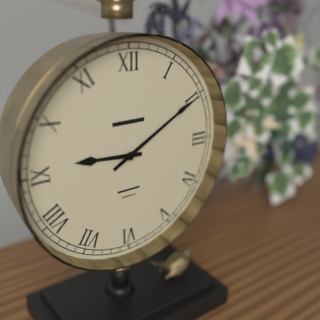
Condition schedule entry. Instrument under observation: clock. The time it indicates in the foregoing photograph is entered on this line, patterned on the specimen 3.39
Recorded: 9.10
